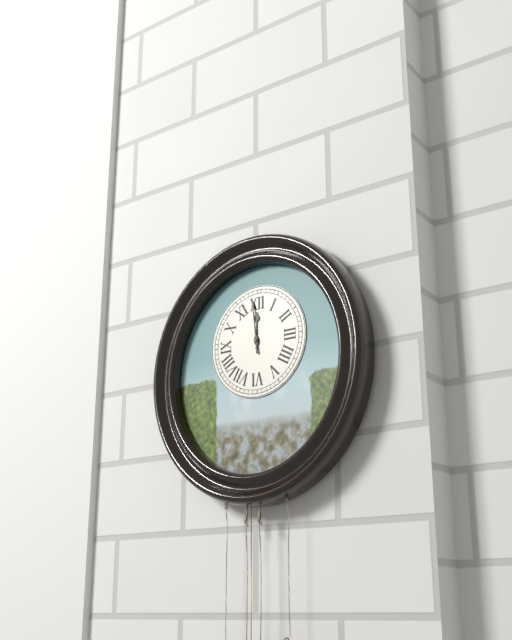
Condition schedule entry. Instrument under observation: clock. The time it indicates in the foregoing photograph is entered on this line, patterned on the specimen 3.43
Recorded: 11.59
